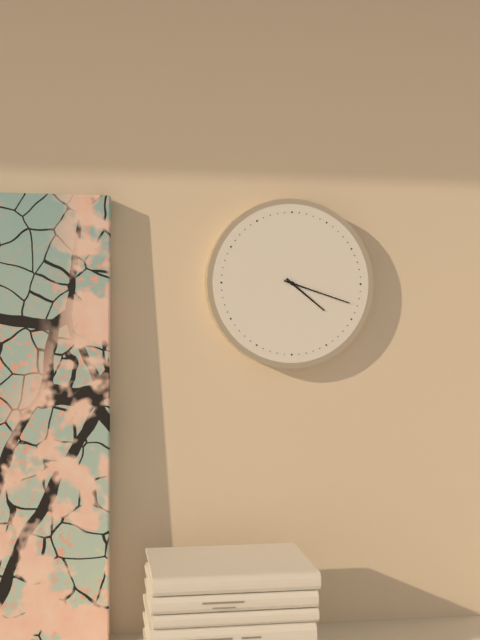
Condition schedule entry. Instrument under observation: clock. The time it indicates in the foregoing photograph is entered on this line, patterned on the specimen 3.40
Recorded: 4.18
